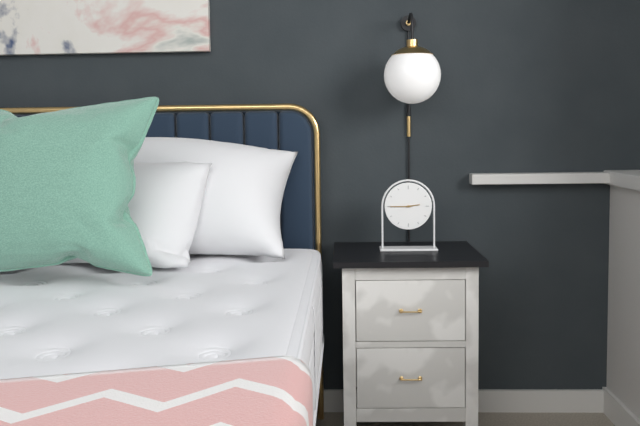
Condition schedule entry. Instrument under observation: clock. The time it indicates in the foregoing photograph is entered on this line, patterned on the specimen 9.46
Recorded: 2.45
